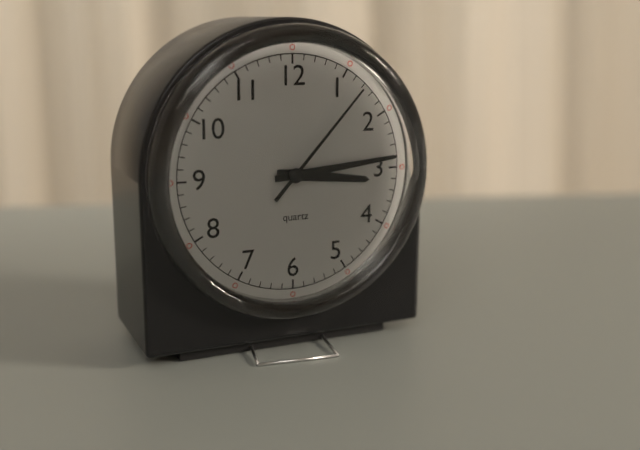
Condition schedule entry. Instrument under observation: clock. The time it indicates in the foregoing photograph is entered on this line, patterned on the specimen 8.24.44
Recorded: 3.14.07
